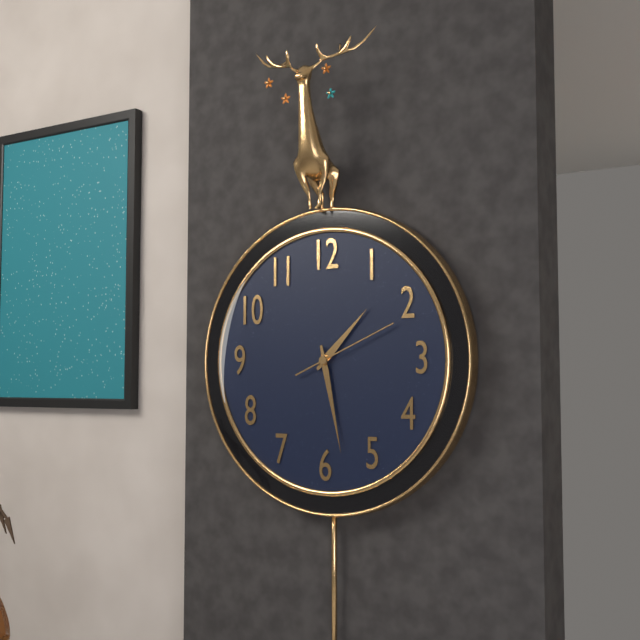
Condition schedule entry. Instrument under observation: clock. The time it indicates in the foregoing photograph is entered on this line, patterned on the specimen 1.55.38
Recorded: 1.28.11
